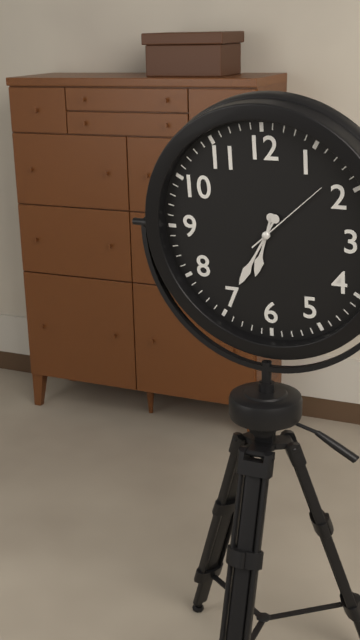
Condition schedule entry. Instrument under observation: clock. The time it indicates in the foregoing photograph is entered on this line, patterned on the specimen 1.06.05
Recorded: 6.35.08
